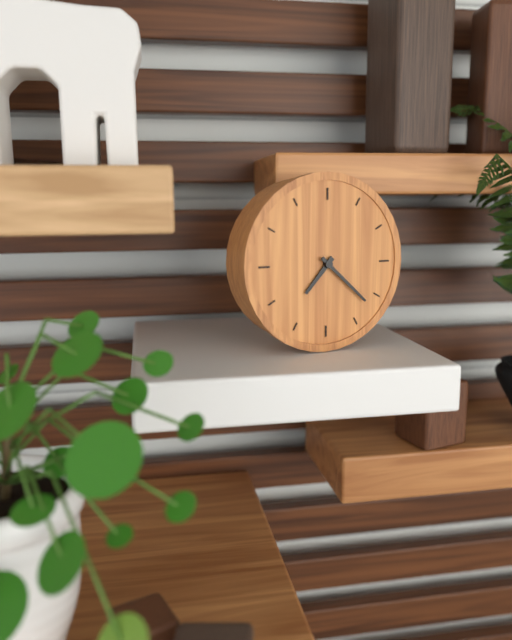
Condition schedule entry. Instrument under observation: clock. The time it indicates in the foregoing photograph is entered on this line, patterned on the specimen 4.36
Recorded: 7.22
